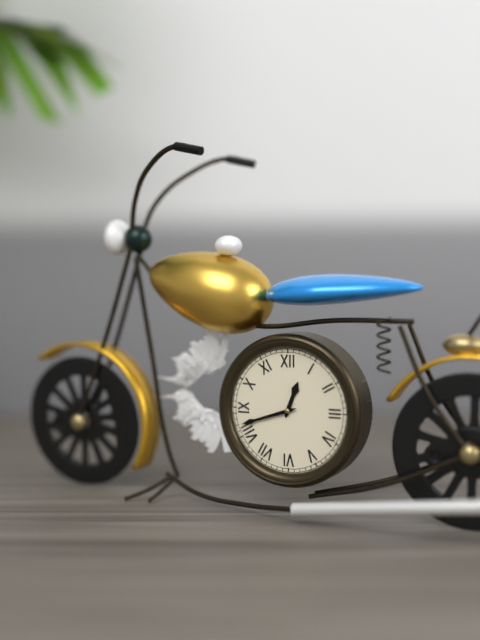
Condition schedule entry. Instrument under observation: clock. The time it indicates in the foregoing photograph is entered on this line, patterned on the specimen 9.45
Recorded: 12.42
